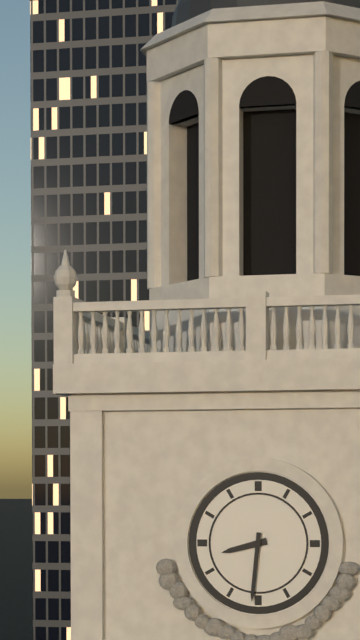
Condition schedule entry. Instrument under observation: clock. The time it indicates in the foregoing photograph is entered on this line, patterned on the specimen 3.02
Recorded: 8.31
